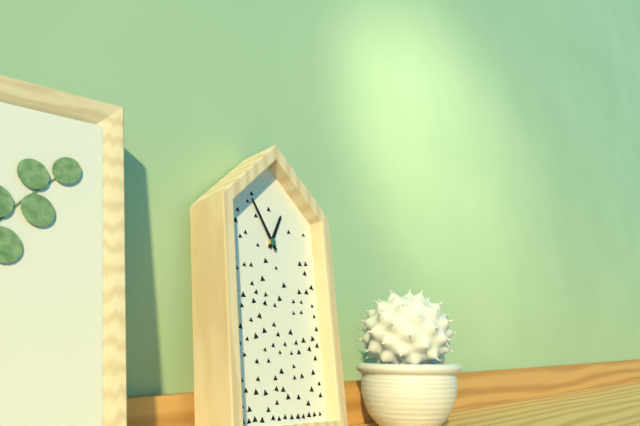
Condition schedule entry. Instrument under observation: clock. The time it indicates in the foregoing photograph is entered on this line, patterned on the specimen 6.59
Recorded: 12.55
